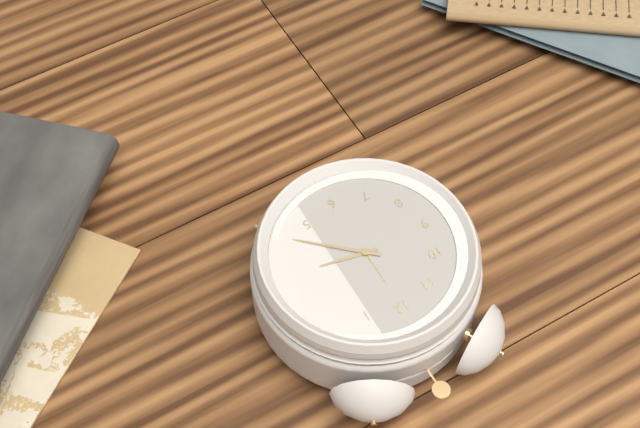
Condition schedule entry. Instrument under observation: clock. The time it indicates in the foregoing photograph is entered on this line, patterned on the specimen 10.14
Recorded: 3.22
